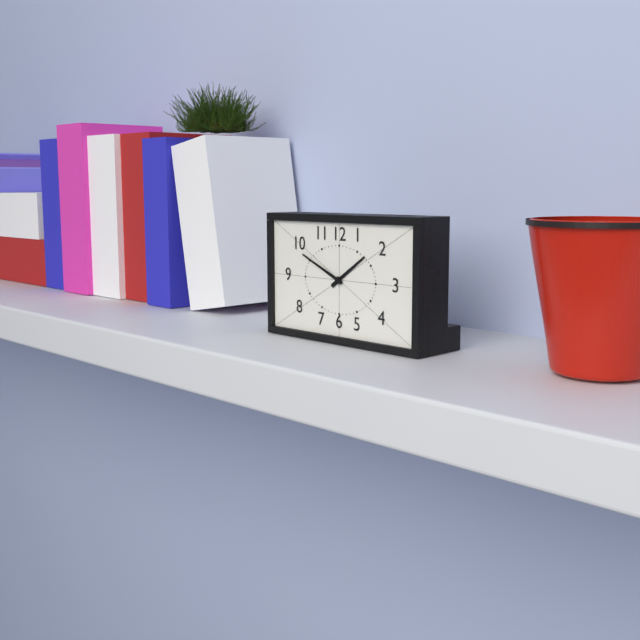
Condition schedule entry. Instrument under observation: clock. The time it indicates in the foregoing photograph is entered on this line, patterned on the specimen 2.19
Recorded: 1.49
